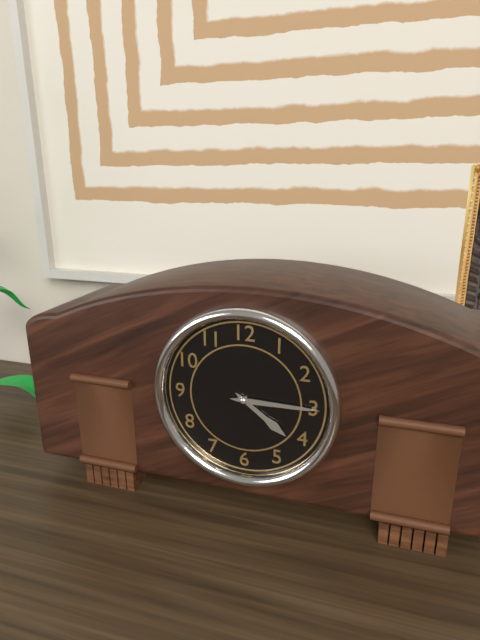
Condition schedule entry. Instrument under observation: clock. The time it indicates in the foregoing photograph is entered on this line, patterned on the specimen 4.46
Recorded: 4.15
